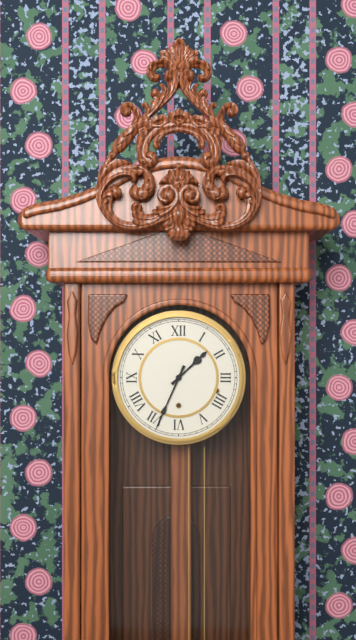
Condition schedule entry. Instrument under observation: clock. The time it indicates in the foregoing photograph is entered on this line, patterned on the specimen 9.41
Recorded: 1.34
